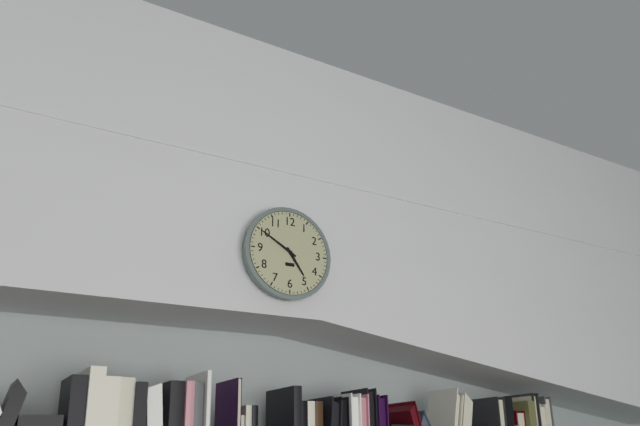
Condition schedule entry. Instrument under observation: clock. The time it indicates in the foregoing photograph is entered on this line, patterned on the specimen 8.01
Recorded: 4.50
